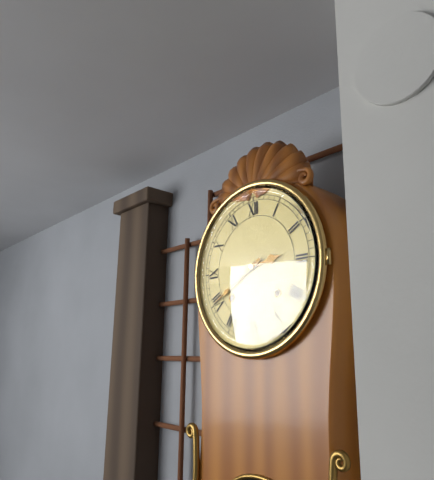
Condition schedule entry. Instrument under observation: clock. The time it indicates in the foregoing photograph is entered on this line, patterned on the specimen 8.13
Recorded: 2.40
